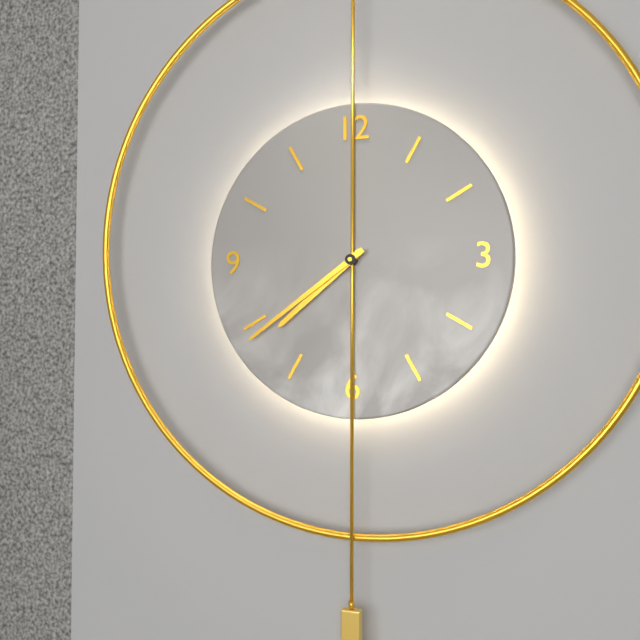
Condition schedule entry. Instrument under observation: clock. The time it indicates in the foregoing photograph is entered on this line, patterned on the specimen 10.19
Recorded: 7.39
